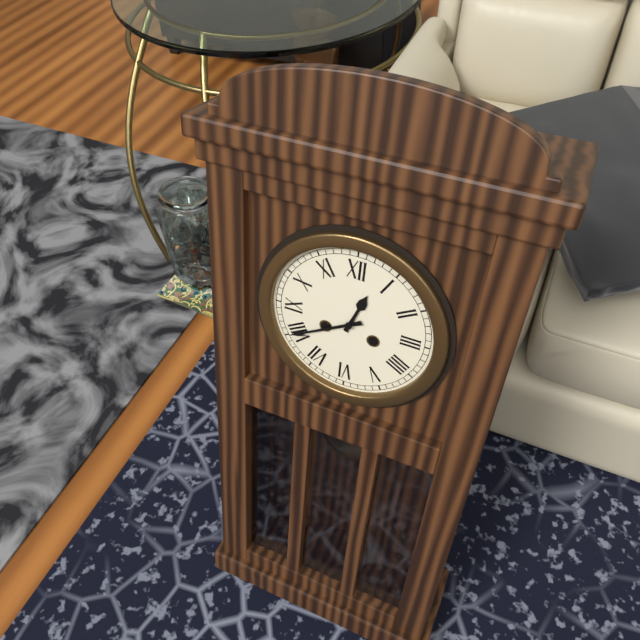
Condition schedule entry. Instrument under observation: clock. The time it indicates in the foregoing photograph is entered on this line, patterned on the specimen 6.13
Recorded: 12.40
